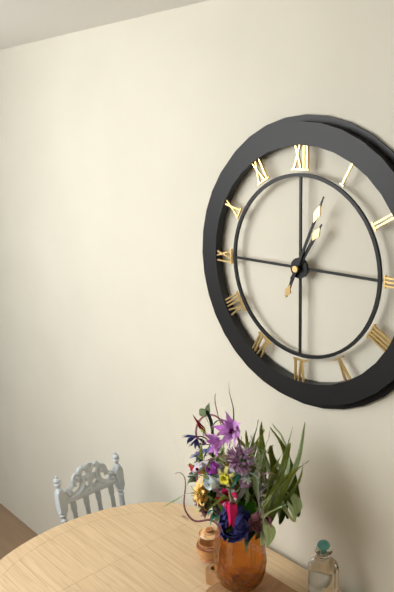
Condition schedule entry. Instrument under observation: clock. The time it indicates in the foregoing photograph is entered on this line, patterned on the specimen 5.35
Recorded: 1.04
